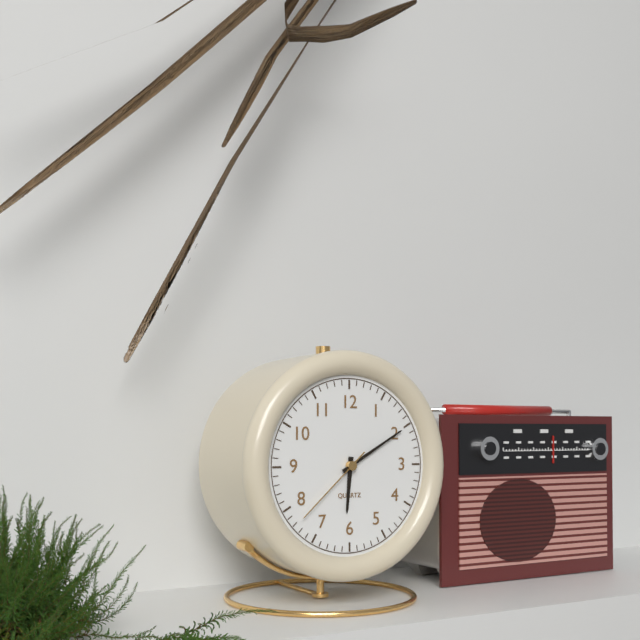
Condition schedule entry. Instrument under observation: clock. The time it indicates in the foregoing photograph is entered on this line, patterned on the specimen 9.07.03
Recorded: 6.10.38
